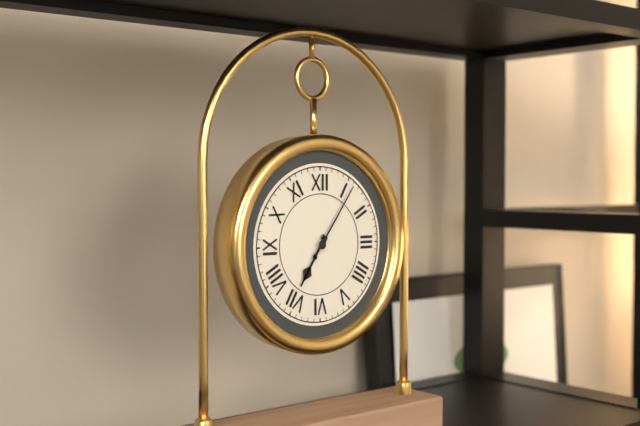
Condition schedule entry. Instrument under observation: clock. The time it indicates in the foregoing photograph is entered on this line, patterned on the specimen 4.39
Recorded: 7.06
